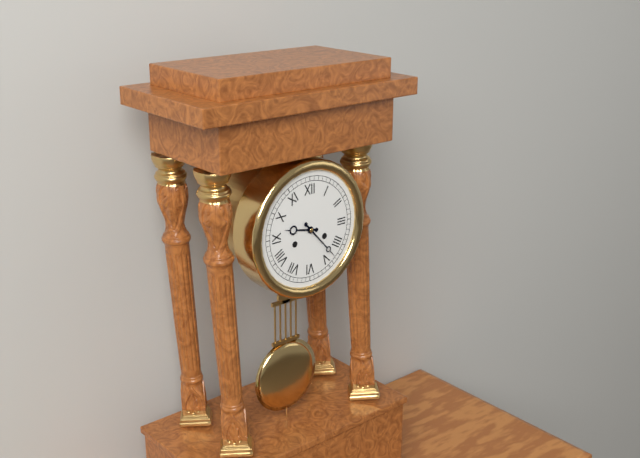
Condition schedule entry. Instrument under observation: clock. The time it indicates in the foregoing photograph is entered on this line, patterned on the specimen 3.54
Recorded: 9.23
